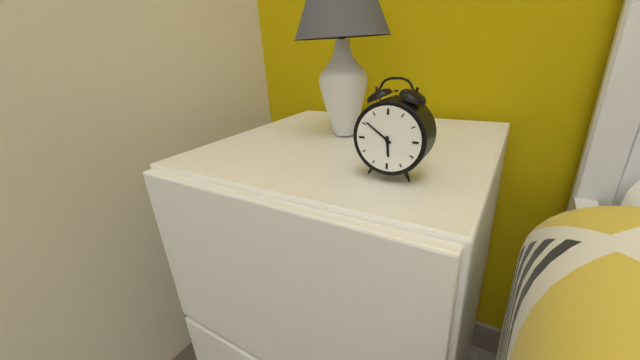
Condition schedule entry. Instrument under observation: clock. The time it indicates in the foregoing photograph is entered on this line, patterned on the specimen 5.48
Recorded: 5.51
